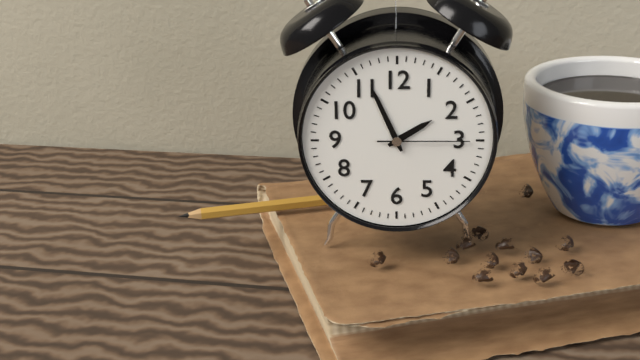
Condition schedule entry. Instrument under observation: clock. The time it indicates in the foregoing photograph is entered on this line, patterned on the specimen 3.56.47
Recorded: 1.56.15
